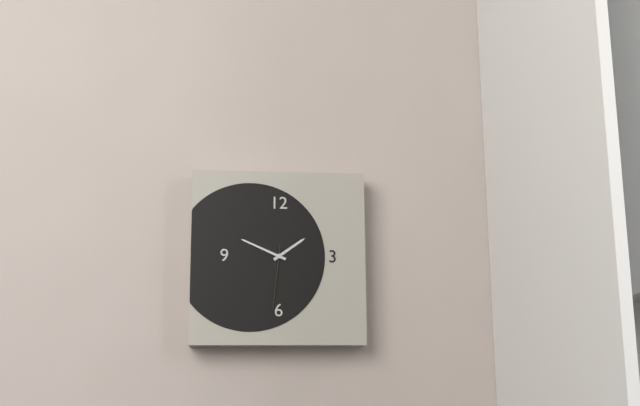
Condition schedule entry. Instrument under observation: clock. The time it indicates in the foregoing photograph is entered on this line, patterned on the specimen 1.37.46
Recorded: 1.49.31
